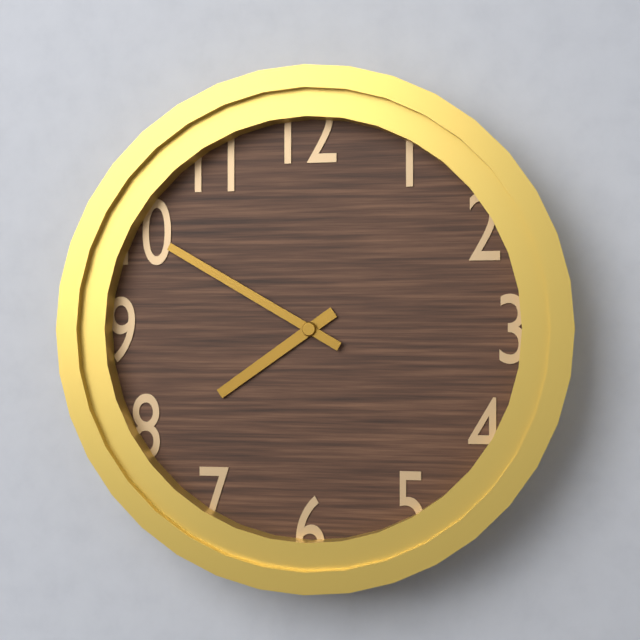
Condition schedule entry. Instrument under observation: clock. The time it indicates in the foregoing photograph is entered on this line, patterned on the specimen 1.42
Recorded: 7.50
